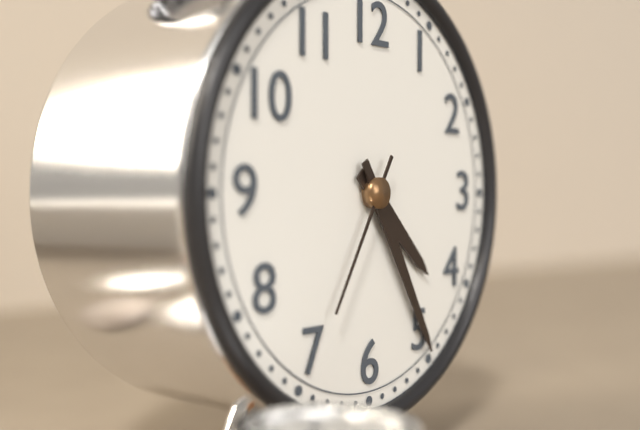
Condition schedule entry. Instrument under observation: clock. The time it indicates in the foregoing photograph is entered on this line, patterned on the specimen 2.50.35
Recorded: 4.25.35
